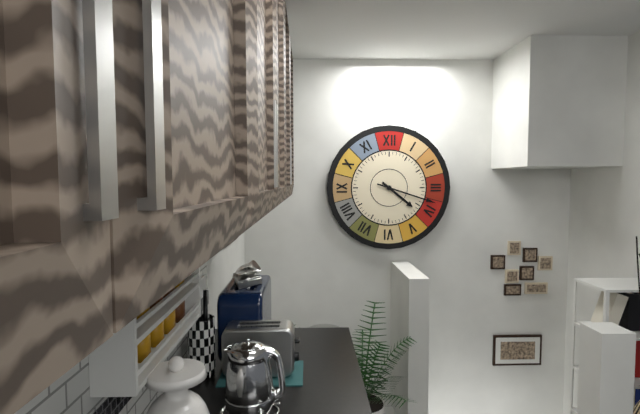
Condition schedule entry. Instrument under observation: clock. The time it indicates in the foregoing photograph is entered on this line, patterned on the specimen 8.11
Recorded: 4.18
